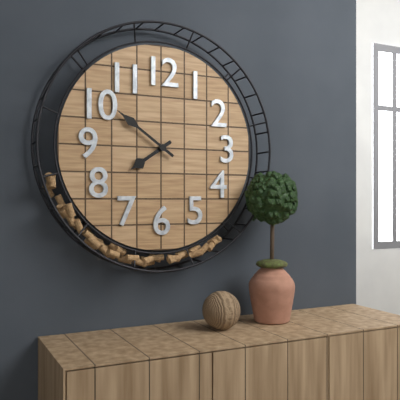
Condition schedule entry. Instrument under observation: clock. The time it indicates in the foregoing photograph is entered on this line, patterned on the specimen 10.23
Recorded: 7.51
